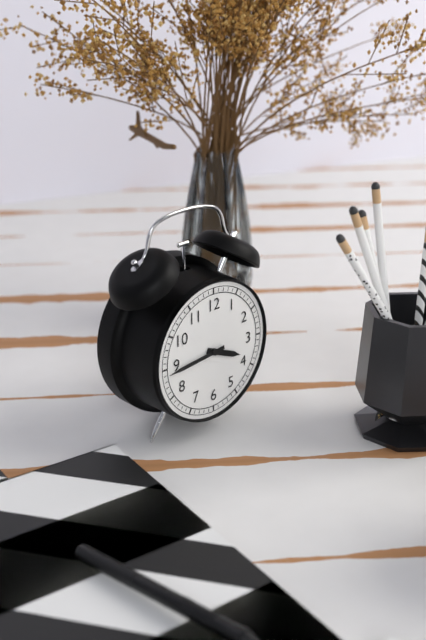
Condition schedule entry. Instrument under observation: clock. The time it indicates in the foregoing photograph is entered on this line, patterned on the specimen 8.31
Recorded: 3.44
